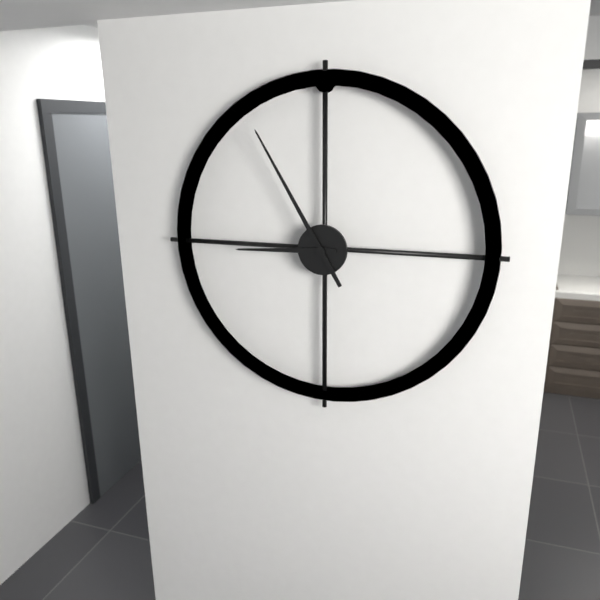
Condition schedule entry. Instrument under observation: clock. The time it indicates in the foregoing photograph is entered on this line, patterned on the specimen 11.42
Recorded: 8.55
